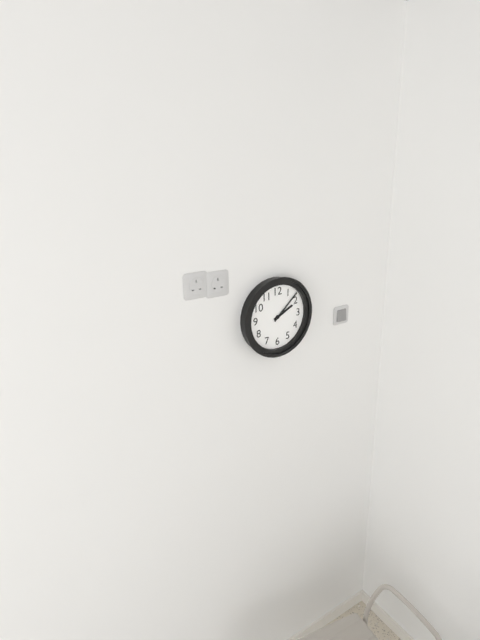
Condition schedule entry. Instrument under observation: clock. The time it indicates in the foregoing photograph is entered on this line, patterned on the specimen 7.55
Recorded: 2.08
